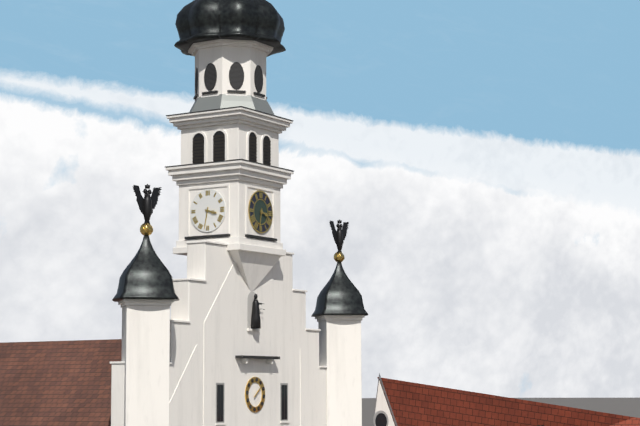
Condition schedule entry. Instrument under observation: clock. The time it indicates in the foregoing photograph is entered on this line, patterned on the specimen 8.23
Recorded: 3.32
